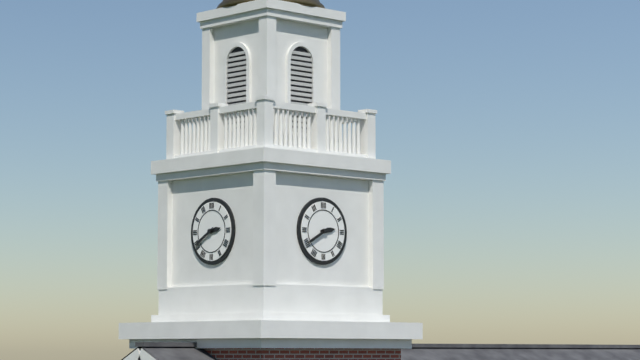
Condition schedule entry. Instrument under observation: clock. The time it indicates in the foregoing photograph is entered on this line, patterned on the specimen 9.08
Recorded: 2.40
